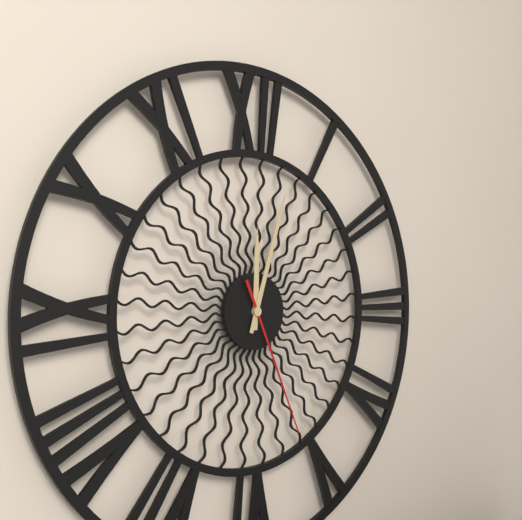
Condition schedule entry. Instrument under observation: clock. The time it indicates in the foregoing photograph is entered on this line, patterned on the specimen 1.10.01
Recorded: 12.03.26
